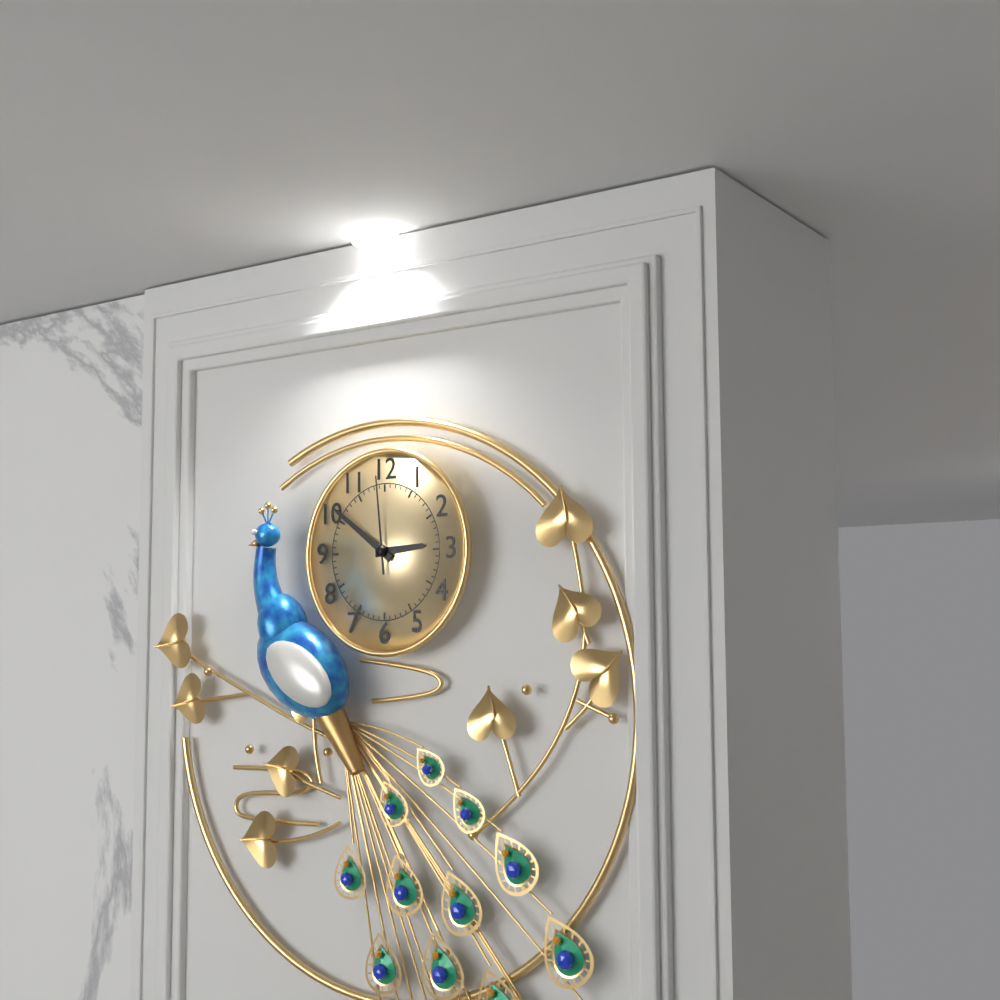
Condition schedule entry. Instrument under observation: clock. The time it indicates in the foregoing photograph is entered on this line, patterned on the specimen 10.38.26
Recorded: 2.51.59
